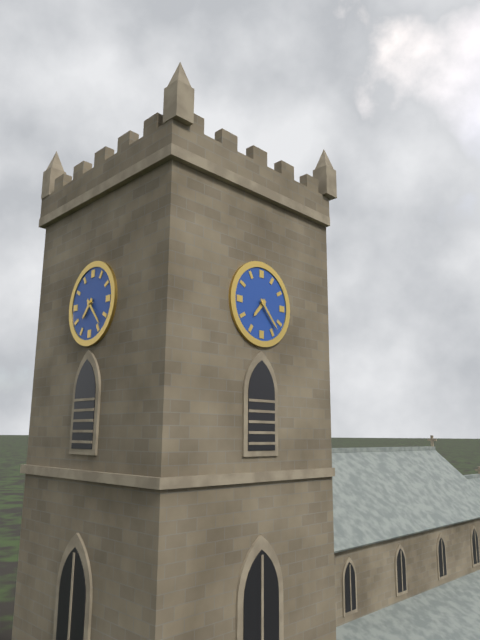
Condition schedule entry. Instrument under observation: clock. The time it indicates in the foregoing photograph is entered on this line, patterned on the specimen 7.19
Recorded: 7.23
